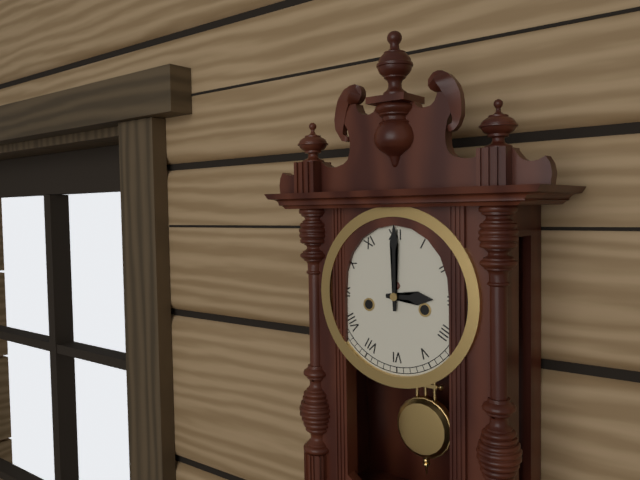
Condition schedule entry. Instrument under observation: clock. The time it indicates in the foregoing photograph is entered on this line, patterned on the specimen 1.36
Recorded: 3.00
